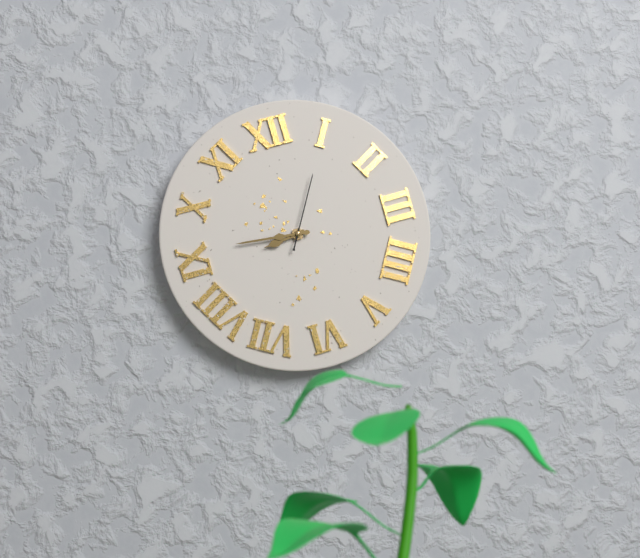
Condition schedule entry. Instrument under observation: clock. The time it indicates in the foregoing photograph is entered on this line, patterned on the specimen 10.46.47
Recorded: 8.46.05
